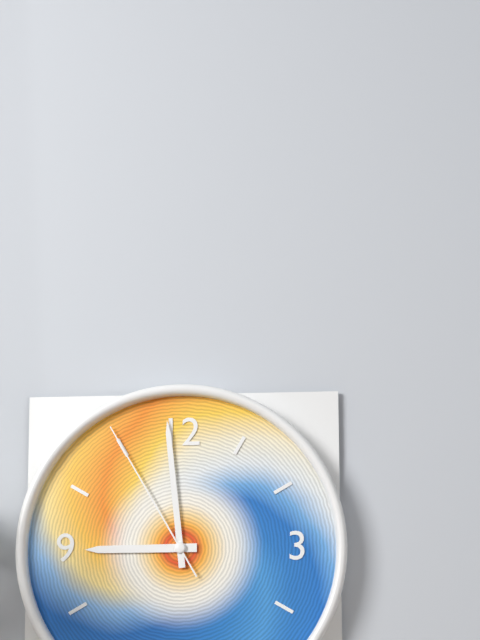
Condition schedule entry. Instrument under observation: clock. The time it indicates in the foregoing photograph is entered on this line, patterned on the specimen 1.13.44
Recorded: 8.59.55
